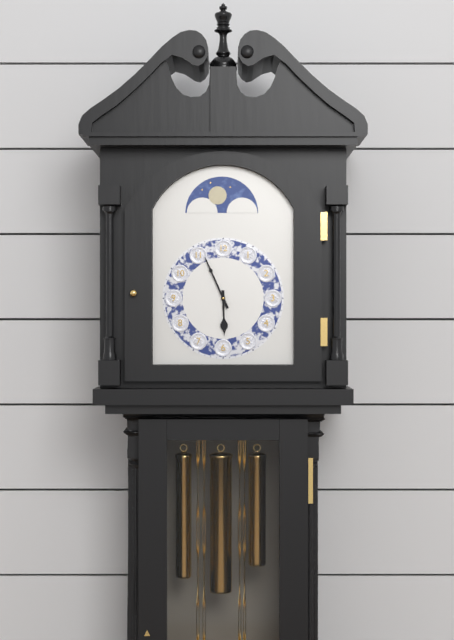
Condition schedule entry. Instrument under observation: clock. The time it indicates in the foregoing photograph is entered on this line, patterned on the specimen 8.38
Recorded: 5.56
